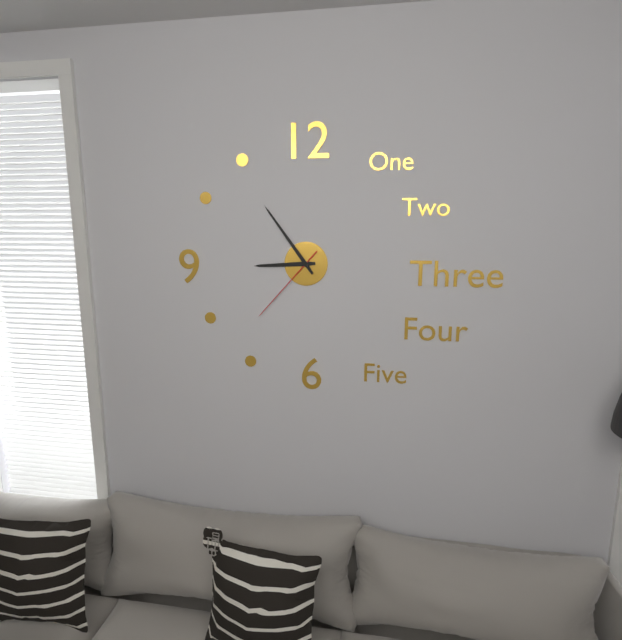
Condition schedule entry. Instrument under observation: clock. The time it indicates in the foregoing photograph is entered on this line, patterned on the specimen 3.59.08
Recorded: 8.54.37
